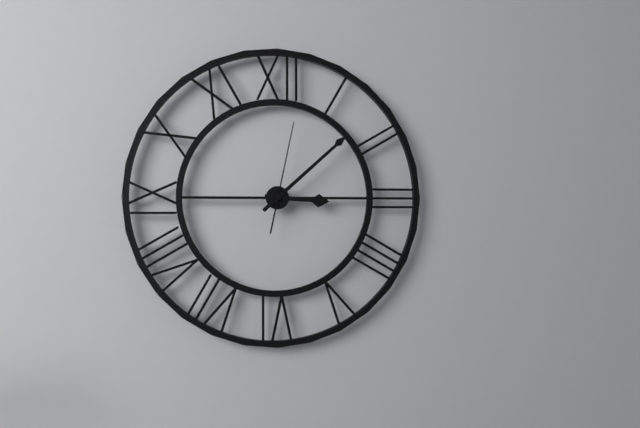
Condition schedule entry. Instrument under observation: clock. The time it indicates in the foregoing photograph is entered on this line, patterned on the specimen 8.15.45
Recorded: 3.08.02
